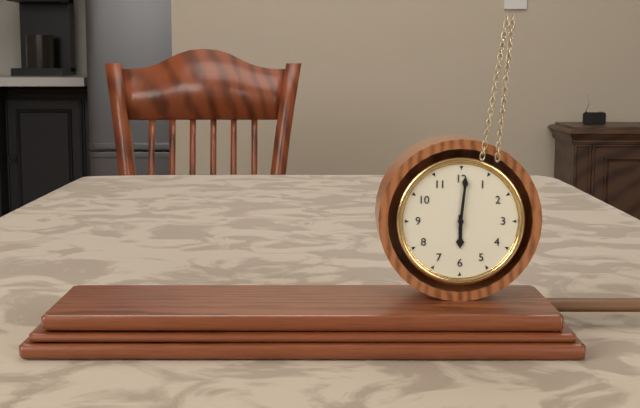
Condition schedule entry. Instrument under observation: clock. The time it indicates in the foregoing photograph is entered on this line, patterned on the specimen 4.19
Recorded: 6.01
